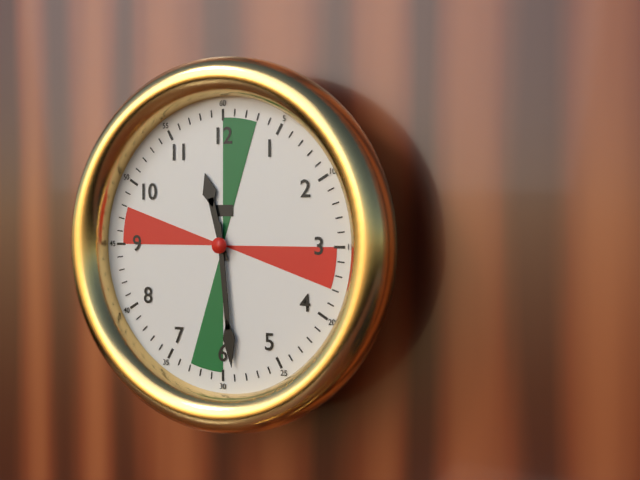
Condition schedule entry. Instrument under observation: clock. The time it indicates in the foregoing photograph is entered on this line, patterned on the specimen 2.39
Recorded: 11.29
